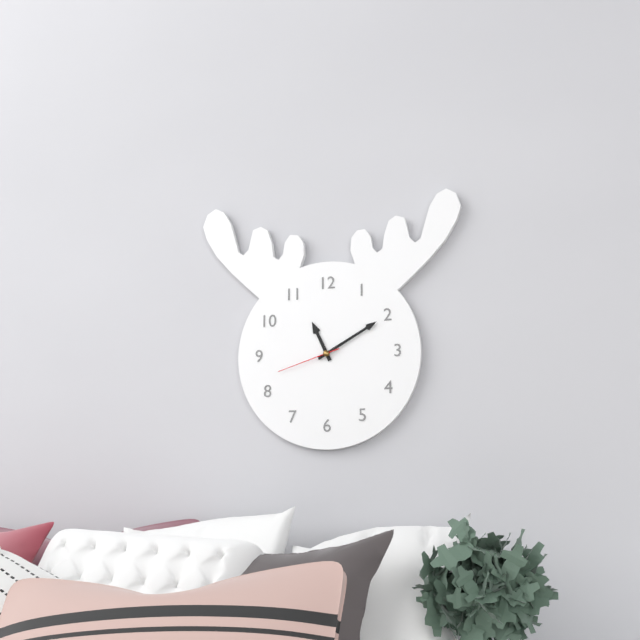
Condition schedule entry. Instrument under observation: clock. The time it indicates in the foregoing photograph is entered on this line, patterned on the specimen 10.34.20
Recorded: 11.10.42
